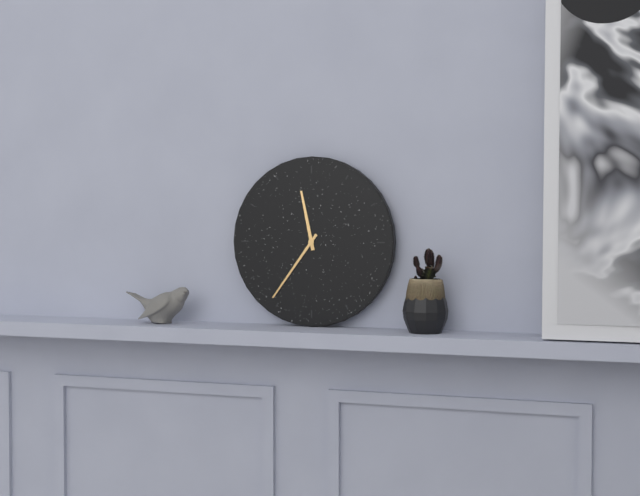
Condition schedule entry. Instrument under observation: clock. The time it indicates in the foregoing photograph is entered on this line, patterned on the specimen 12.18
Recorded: 11.36
